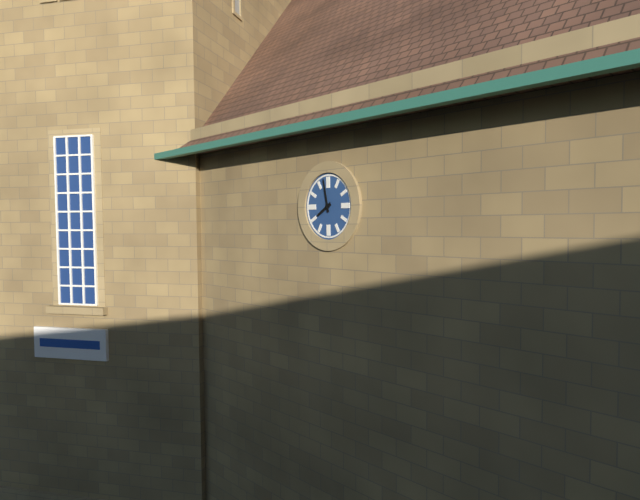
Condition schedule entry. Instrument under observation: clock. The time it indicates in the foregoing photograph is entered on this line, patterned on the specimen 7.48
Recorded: 7.58
